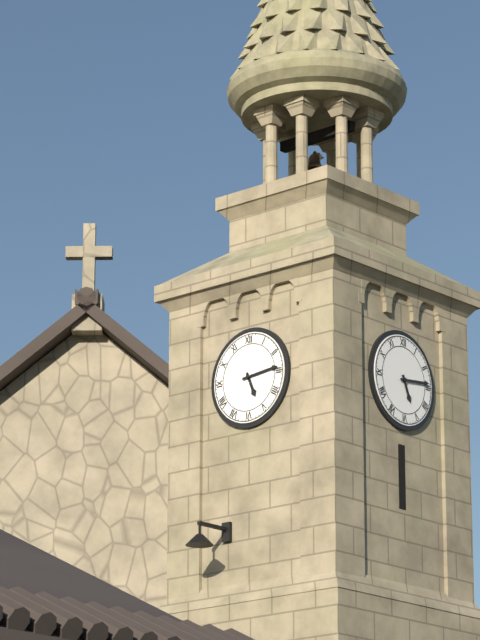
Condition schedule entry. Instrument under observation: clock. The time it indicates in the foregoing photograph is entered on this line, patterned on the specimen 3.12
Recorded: 5.14
